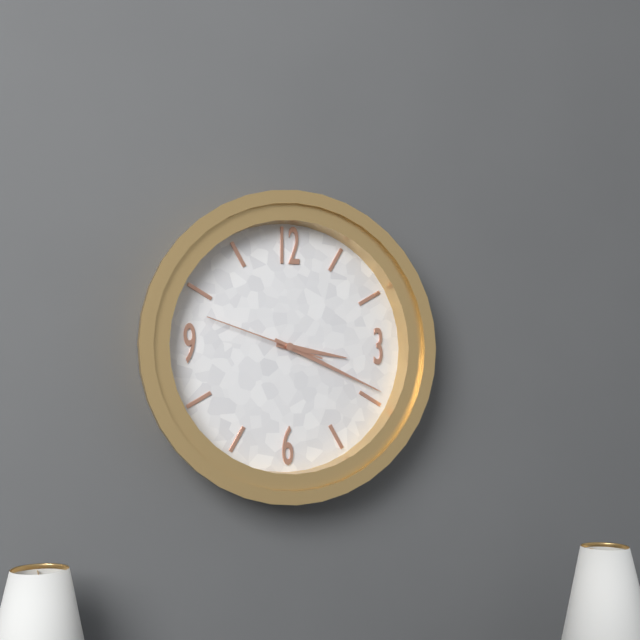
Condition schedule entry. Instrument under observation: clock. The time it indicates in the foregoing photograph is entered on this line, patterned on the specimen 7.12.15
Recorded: 3.19.48
